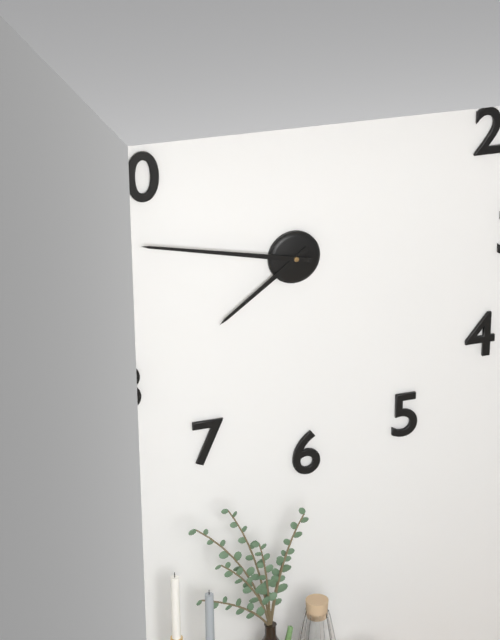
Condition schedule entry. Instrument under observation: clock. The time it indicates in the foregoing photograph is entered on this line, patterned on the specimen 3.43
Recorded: 7.47
